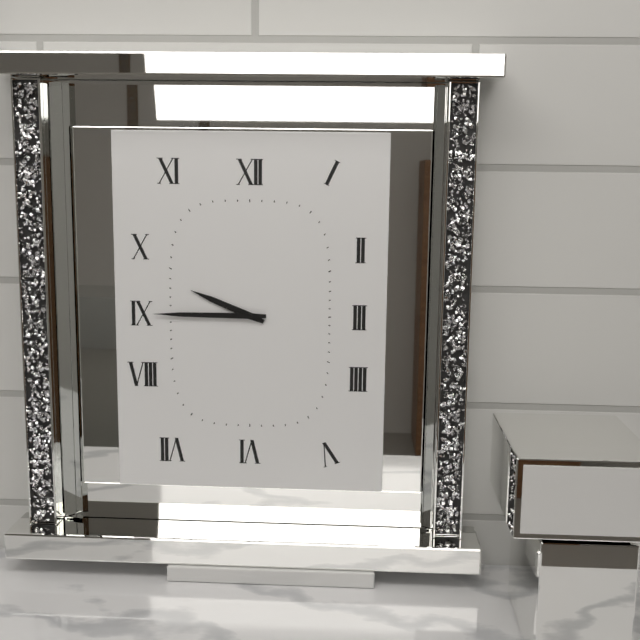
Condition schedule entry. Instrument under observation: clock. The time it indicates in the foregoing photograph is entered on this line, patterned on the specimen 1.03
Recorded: 9.45
